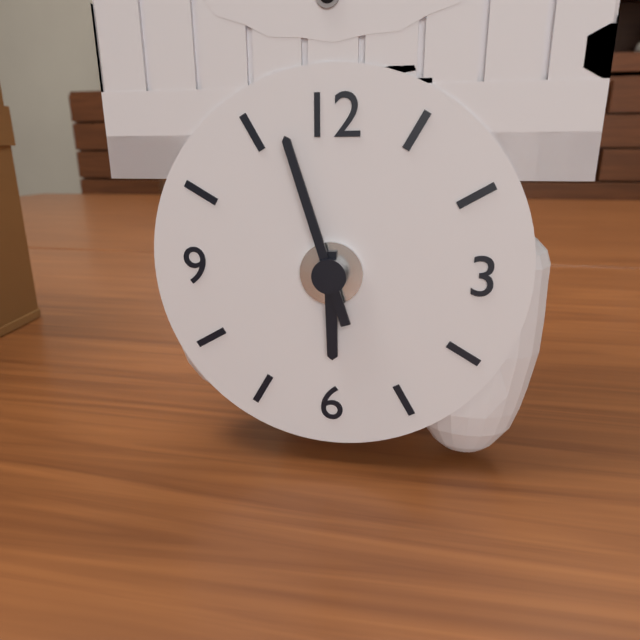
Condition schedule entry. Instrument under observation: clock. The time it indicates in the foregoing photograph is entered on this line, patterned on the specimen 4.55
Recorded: 5.57
